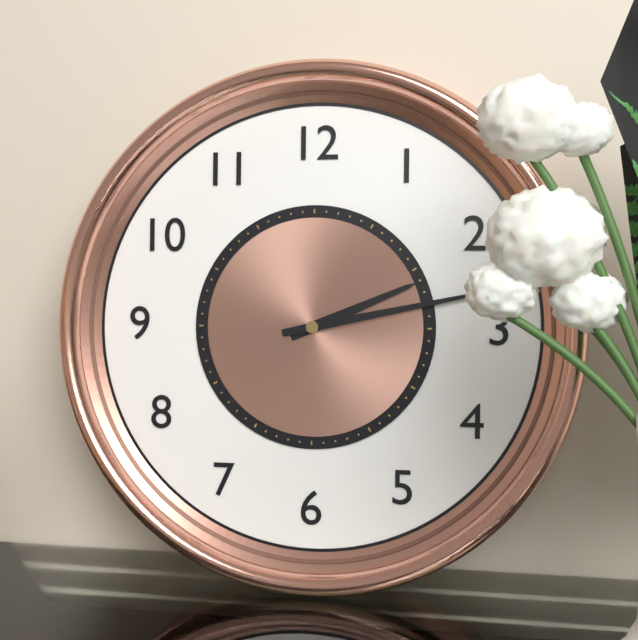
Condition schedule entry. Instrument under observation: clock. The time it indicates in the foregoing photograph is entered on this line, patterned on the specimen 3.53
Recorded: 2.13
